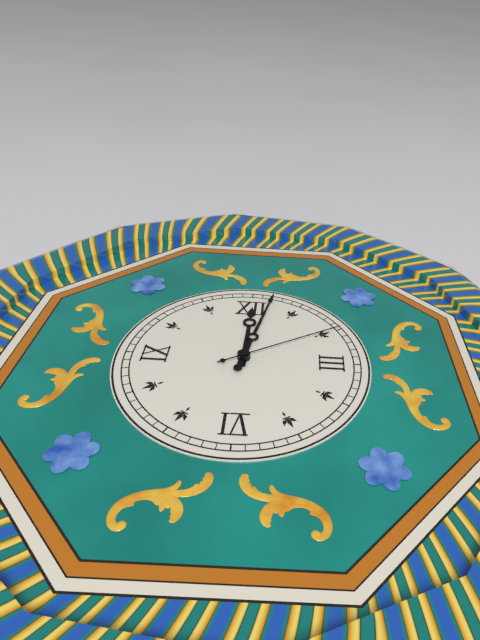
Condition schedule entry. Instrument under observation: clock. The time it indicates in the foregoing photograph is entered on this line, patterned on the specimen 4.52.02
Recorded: 12.02.10
